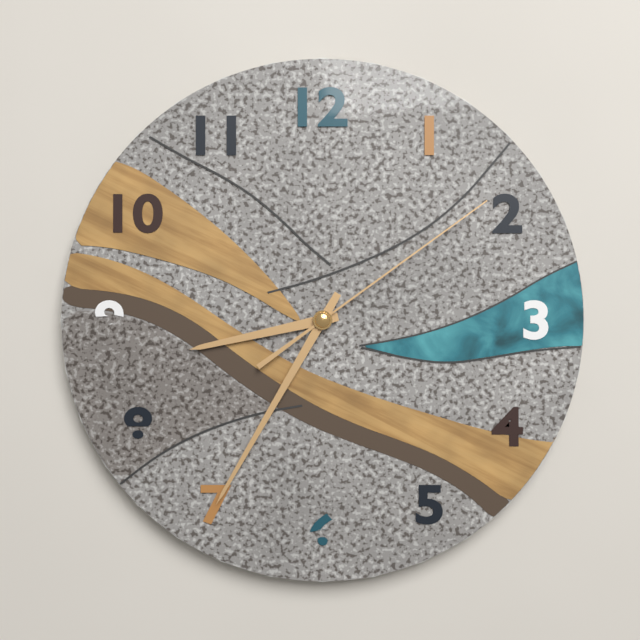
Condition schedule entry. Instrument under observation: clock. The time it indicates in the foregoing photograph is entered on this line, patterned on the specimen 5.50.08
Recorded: 8.35.09
